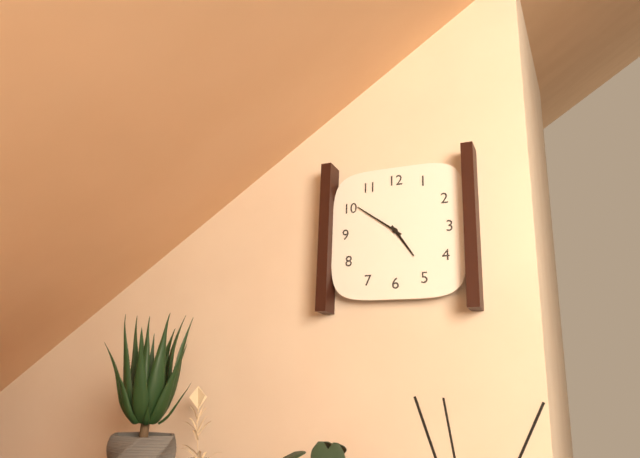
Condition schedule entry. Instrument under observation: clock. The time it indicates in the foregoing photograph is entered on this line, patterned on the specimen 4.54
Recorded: 4.51
